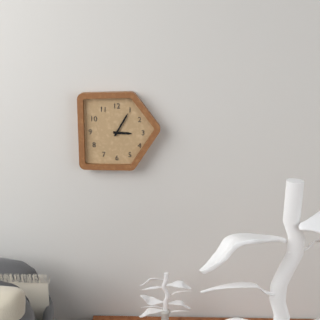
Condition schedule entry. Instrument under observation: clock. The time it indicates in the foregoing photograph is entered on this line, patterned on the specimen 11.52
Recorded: 3.05
